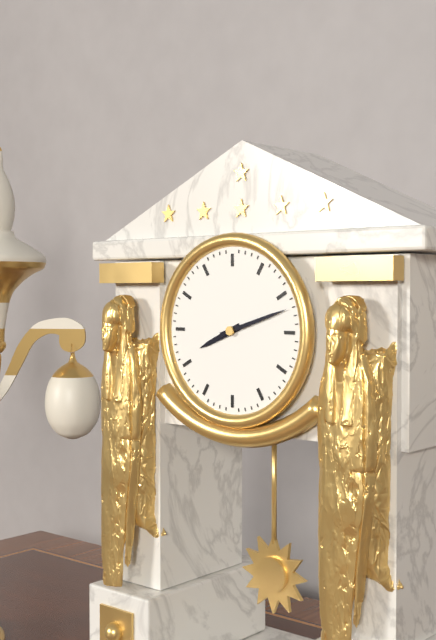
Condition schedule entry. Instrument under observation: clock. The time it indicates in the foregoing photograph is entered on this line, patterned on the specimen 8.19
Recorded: 8.12
